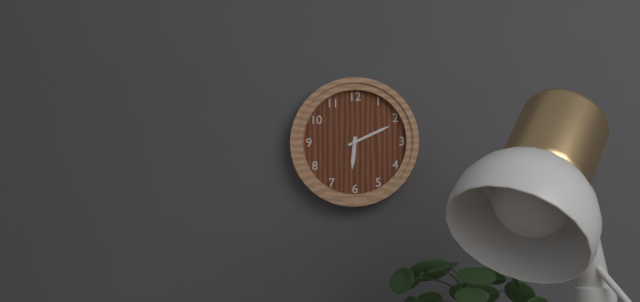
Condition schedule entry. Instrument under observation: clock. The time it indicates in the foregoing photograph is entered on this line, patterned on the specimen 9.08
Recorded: 6.11
